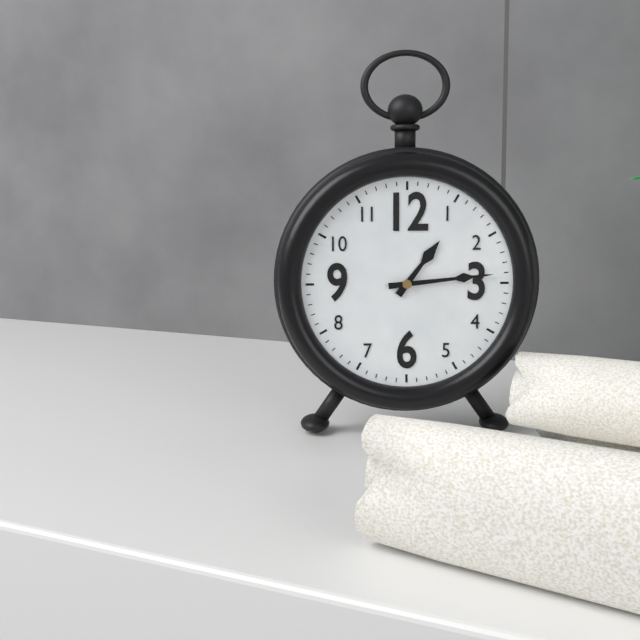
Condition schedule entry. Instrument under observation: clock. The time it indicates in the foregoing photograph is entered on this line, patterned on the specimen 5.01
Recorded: 1.14
